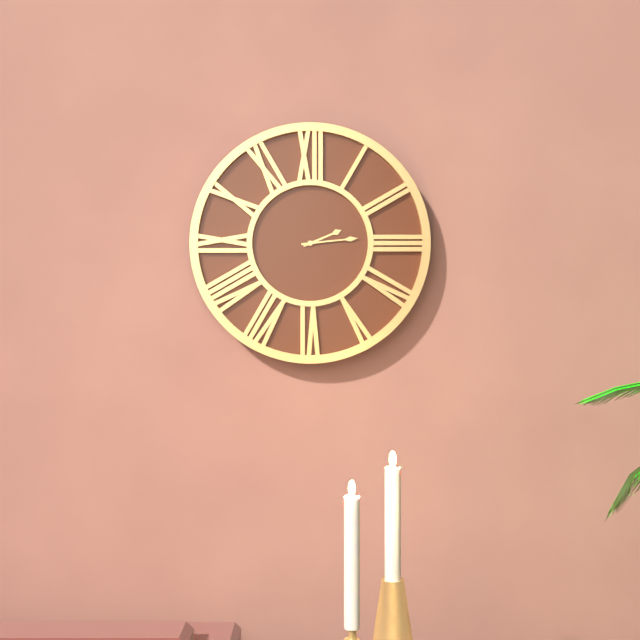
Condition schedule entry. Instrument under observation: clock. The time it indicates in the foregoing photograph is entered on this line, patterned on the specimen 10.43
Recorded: 2.14
